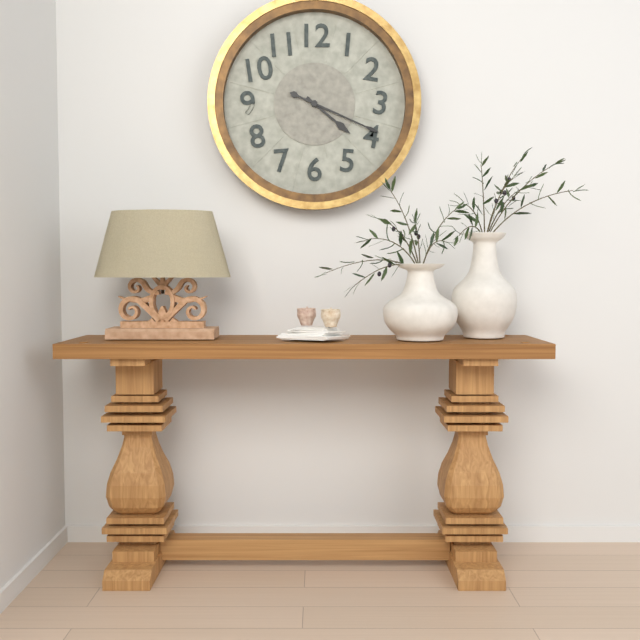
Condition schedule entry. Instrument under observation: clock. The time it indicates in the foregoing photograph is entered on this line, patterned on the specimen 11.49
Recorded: 4.19
